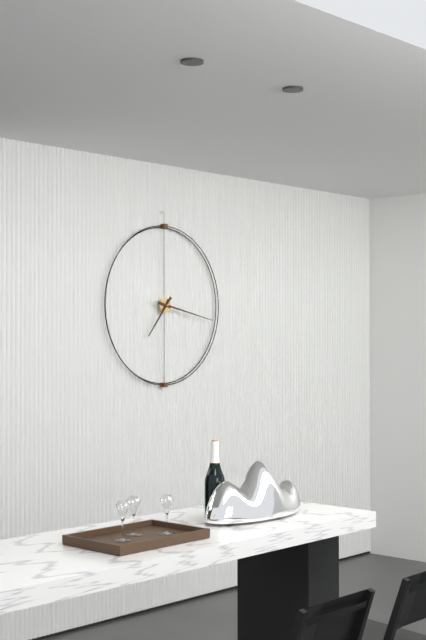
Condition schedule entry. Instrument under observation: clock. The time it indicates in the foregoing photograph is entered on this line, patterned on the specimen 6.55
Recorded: 7.17
